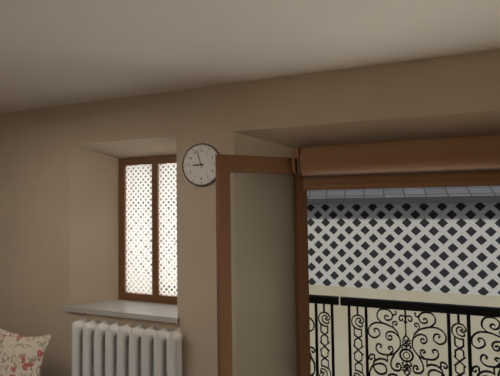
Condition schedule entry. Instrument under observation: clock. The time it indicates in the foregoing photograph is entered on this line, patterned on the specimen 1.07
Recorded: 8.57
